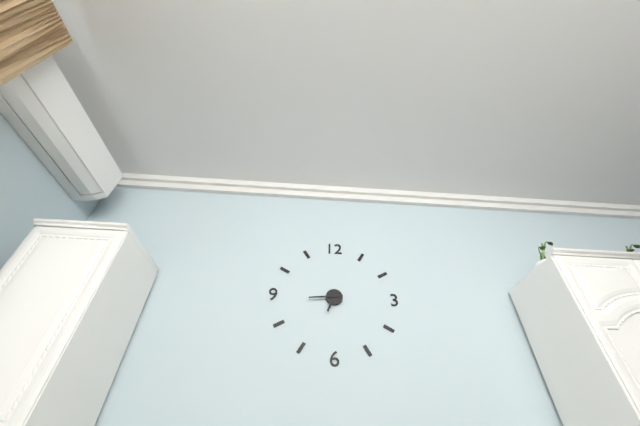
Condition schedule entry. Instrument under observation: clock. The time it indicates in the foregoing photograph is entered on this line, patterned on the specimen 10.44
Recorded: 6.44
